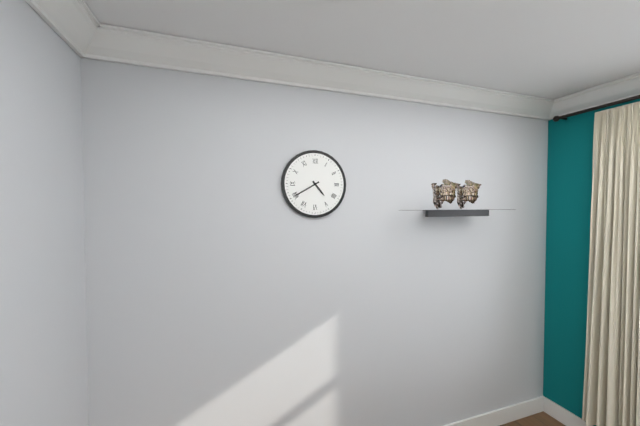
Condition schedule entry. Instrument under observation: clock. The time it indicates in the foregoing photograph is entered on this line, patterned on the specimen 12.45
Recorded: 4.40
